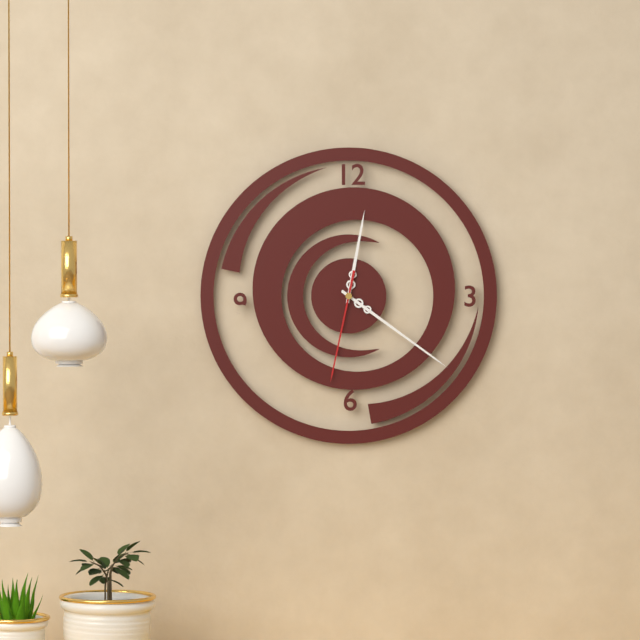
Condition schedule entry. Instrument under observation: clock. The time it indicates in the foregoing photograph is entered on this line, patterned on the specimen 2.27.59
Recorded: 12.21.32
